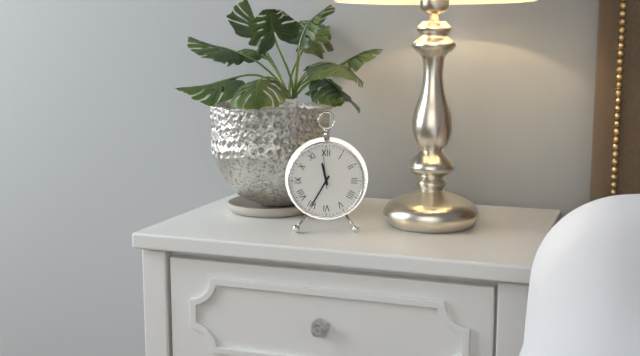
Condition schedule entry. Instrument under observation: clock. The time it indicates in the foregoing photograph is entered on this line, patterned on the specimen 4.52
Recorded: 11.35
